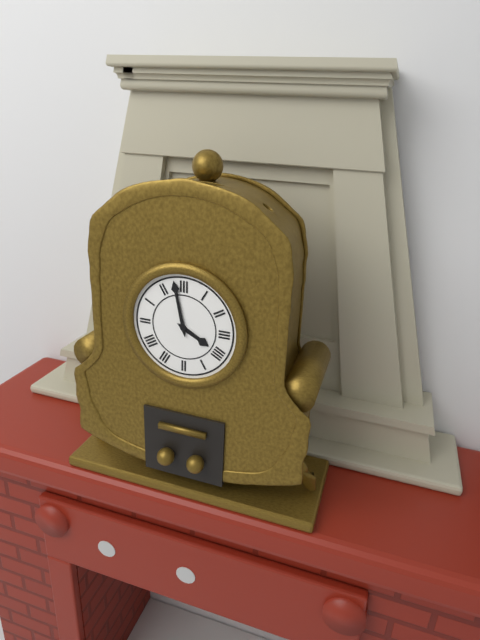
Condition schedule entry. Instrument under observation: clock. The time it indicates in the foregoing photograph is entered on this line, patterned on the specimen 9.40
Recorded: 3.58
